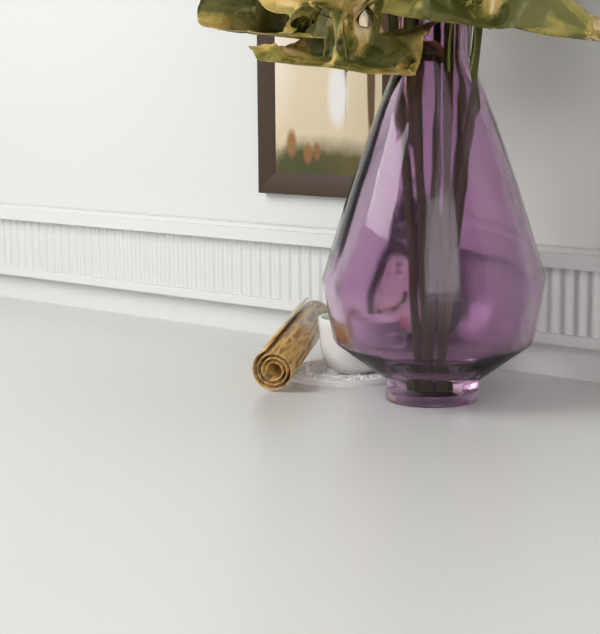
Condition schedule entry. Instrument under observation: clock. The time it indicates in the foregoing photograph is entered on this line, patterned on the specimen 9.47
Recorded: 1.43
